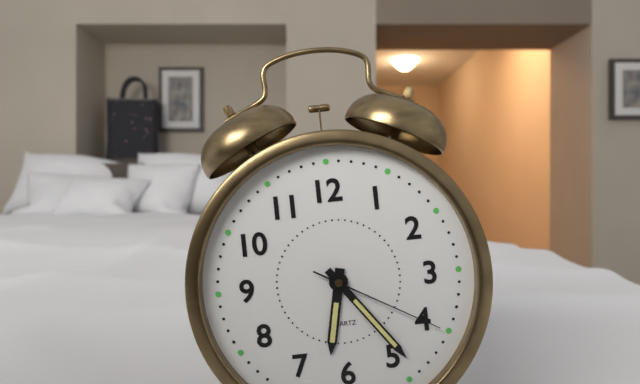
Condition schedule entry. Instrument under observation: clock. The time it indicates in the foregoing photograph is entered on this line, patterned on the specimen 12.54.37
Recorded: 6.24.20
